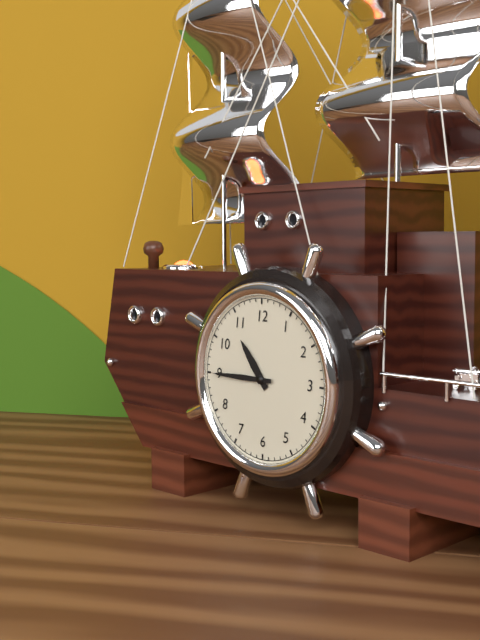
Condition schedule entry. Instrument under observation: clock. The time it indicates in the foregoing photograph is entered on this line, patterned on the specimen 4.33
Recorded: 10.45
